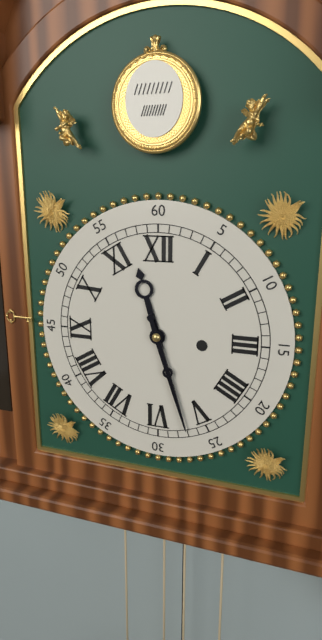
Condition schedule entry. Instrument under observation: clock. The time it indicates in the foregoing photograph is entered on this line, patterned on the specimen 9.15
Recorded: 11.27
